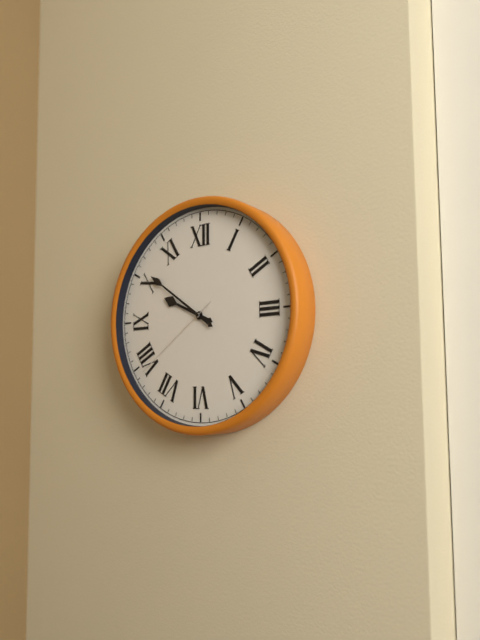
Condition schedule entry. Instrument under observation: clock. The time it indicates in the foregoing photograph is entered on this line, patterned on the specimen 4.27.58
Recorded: 9.51.39
